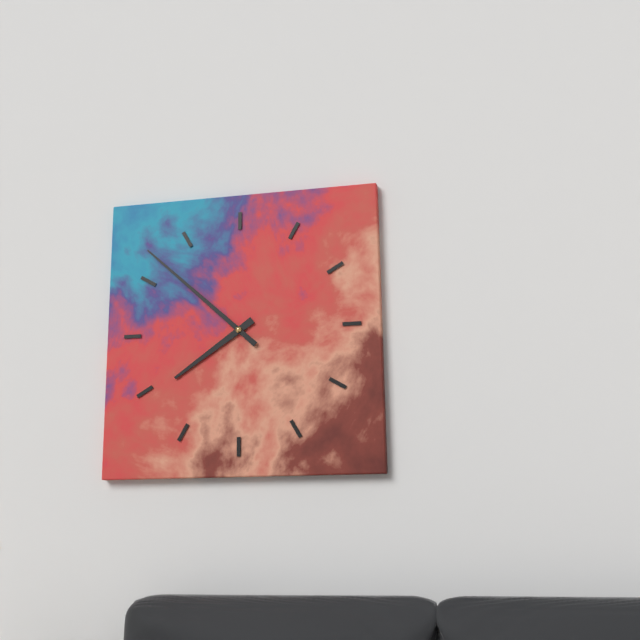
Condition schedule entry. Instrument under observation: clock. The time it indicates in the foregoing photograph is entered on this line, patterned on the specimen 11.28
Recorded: 7.52
